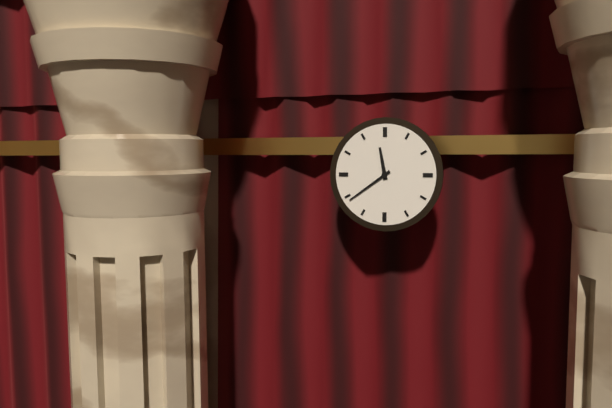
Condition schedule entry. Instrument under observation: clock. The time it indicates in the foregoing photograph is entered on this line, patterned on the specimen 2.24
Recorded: 11.39
